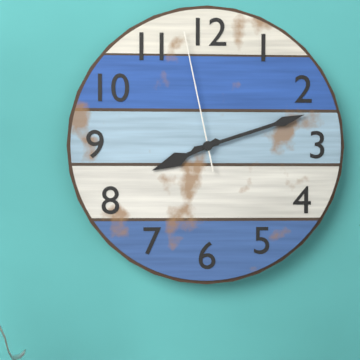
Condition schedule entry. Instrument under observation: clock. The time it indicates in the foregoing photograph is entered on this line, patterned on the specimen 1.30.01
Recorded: 8.12.58
